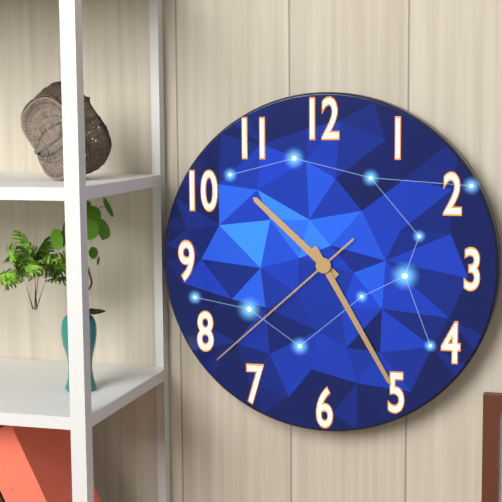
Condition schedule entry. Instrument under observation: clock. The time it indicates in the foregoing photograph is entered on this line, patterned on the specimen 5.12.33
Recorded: 10.25.38
